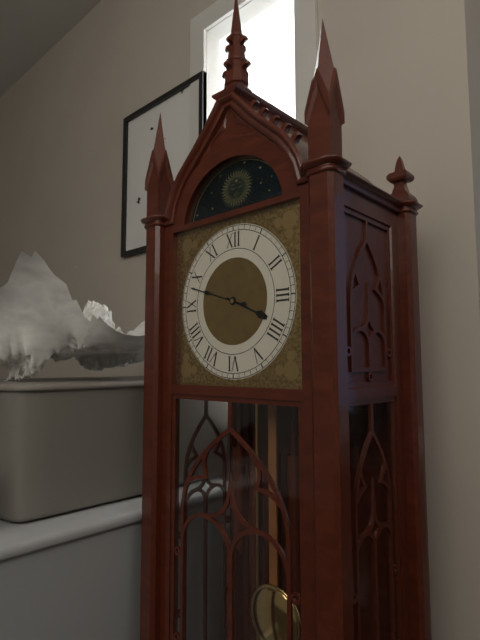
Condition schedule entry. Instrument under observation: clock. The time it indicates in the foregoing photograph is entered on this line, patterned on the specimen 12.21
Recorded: 3.48
